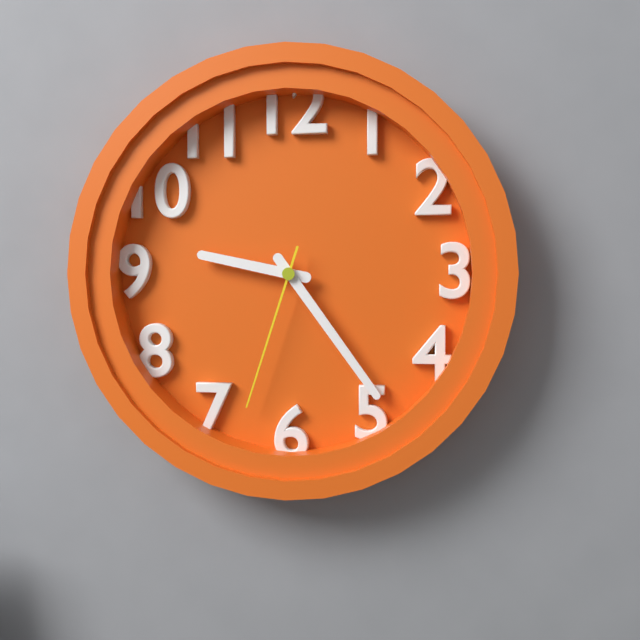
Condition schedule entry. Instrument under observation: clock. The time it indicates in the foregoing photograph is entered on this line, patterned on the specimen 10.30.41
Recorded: 9.24.33
